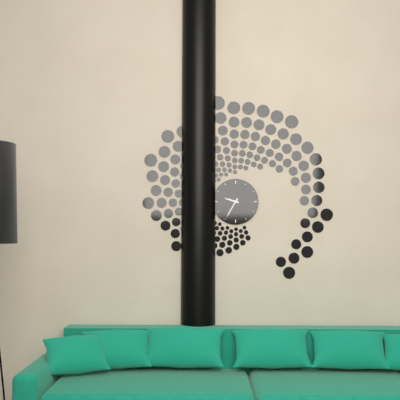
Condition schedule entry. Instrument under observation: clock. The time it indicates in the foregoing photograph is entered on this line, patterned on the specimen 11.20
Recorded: 9.35
